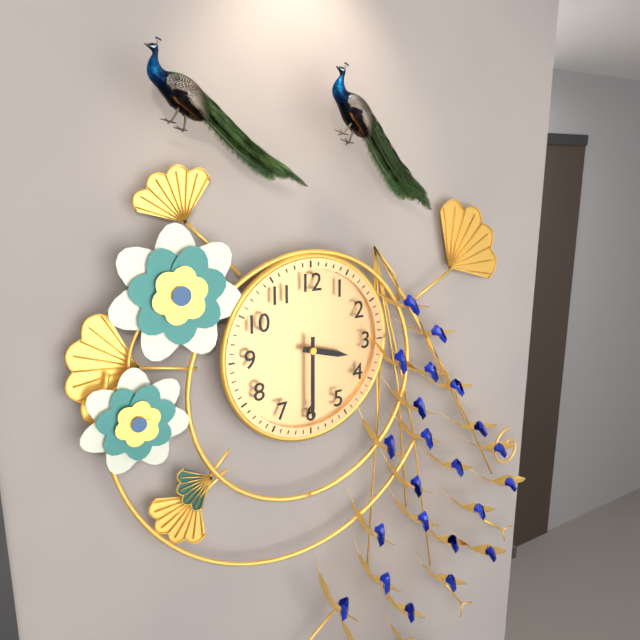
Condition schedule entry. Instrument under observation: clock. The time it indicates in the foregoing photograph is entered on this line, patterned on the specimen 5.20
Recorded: 3.30
